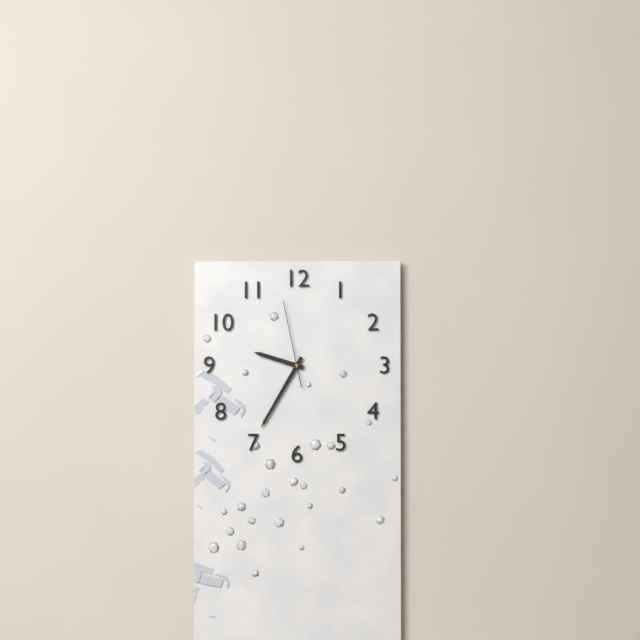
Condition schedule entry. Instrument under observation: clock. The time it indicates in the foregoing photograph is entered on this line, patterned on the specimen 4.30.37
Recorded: 9.35.58
